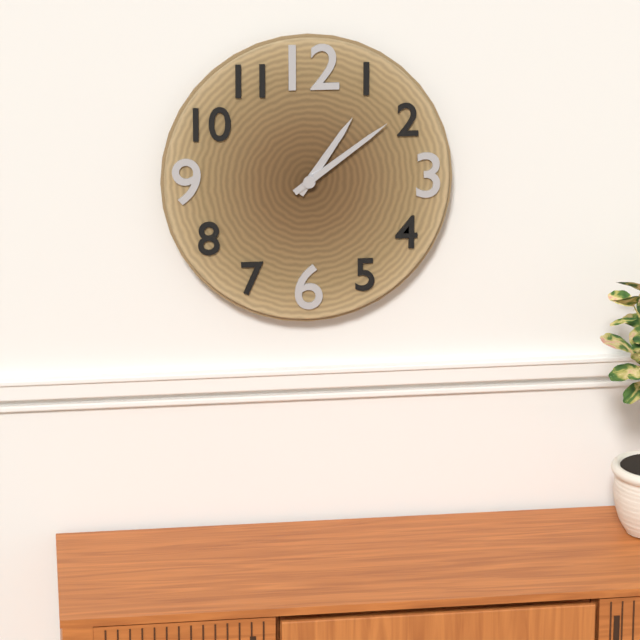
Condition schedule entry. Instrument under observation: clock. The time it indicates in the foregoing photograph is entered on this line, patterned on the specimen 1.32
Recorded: 1.09
